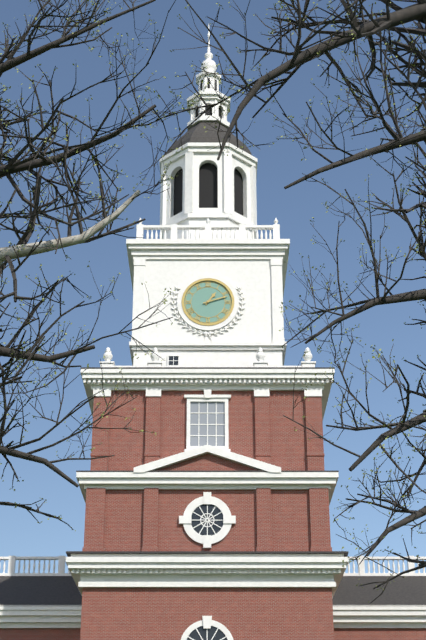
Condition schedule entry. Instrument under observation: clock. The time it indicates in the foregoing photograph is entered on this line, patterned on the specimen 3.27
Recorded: 1.12
